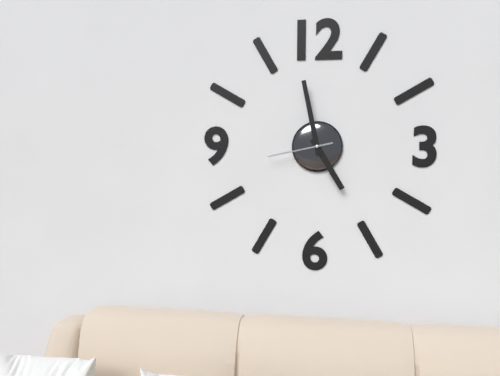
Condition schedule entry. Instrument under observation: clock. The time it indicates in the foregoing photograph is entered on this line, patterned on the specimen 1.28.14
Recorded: 4.58.43
